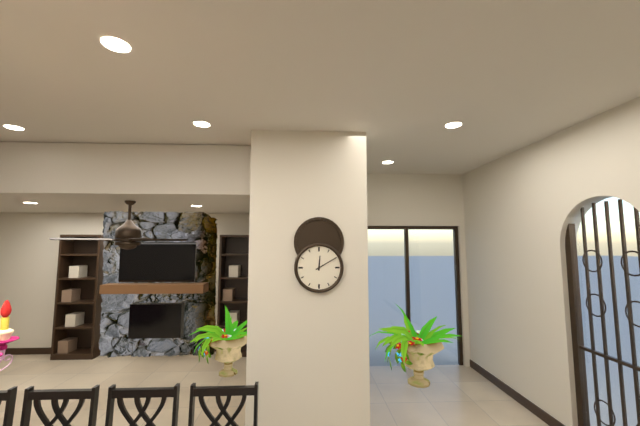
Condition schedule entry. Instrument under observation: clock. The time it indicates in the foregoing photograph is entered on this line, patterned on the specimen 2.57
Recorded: 12.10
